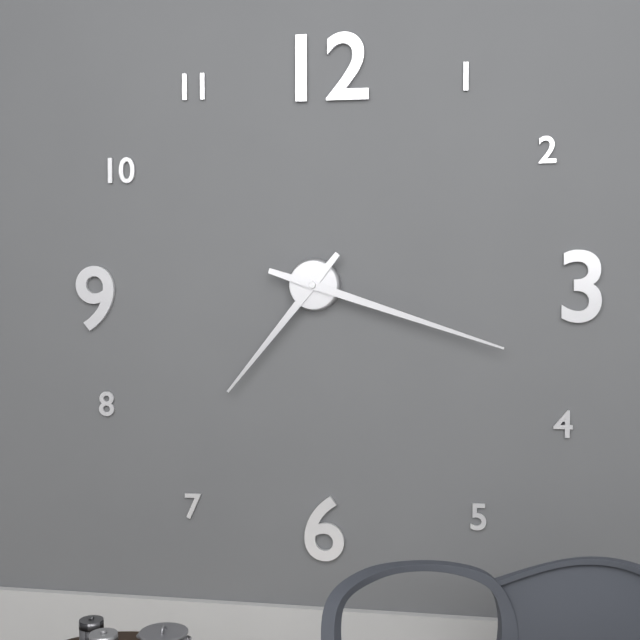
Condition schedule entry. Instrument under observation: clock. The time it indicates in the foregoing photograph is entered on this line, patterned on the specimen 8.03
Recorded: 7.18
